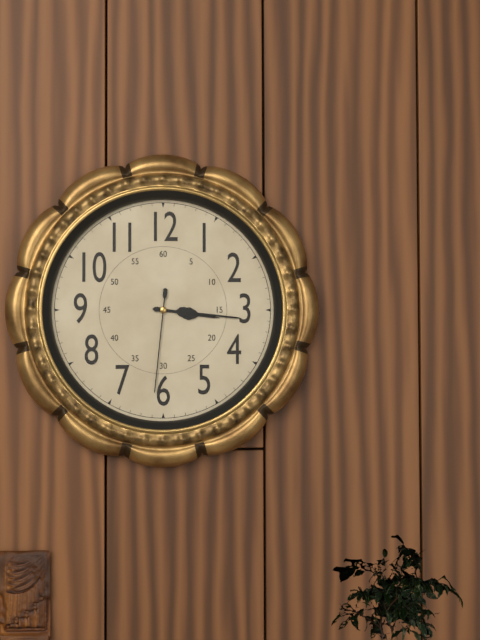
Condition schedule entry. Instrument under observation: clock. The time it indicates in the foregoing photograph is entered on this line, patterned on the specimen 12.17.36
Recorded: 3.16.31
